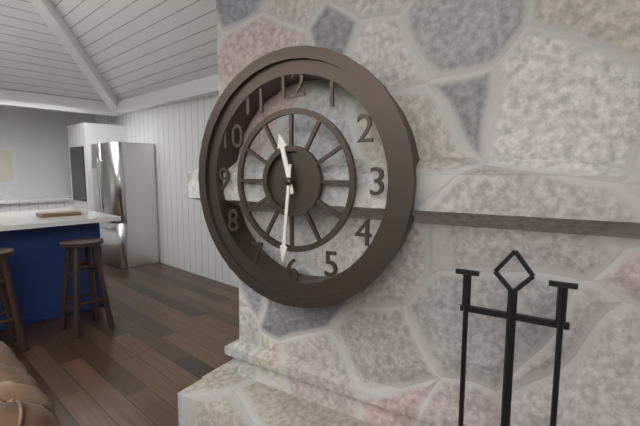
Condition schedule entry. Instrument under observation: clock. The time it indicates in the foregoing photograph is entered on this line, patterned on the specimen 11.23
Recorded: 11.31
